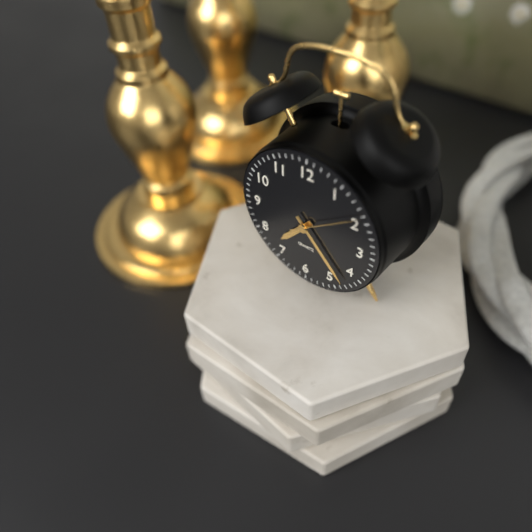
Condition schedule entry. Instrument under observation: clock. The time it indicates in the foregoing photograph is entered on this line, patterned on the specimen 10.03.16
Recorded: 7.23.09
